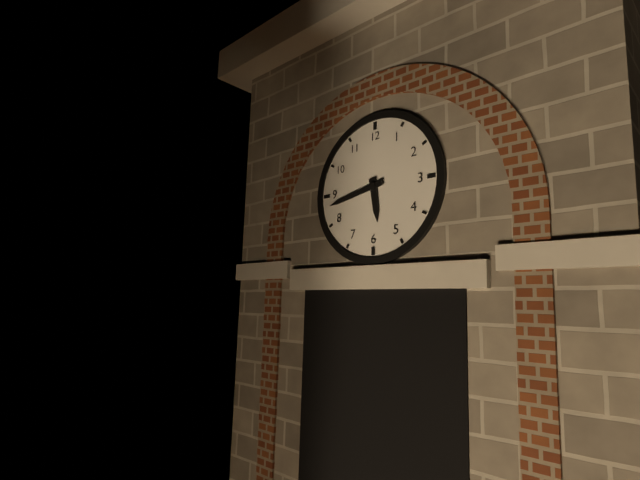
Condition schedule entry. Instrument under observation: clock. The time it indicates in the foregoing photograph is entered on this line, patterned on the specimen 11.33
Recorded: 5.43
